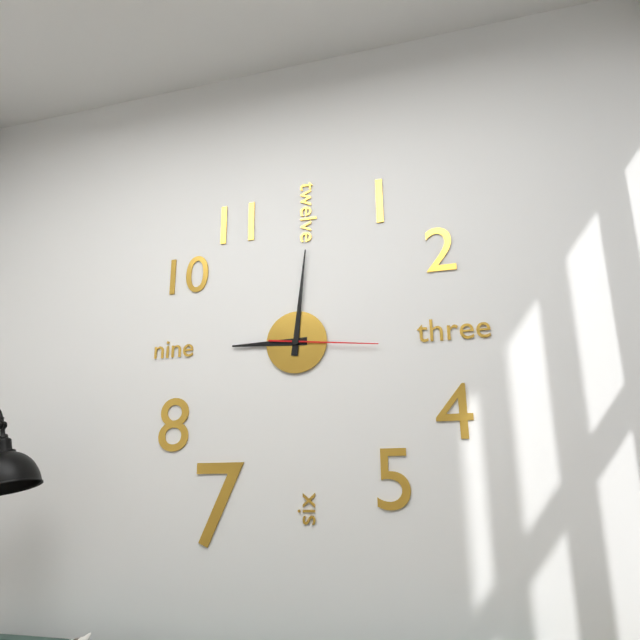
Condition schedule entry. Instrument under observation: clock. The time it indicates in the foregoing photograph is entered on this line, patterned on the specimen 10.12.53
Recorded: 9.01.16
